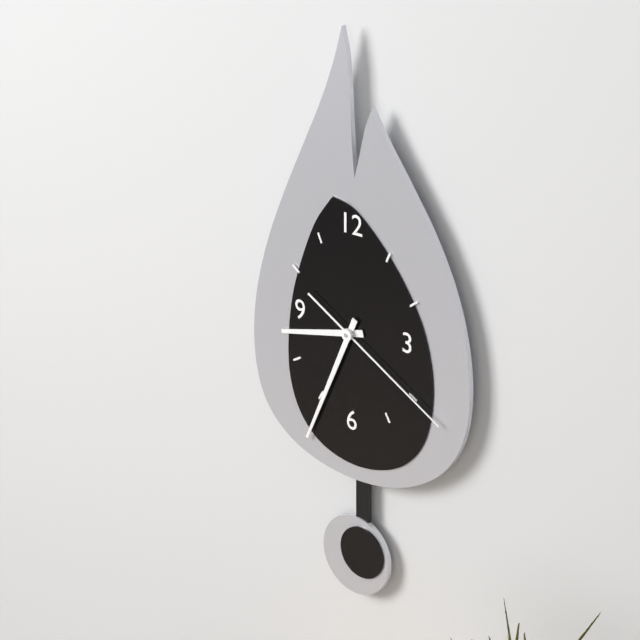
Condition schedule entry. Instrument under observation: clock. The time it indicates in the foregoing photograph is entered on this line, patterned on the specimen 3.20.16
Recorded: 8.34.20
